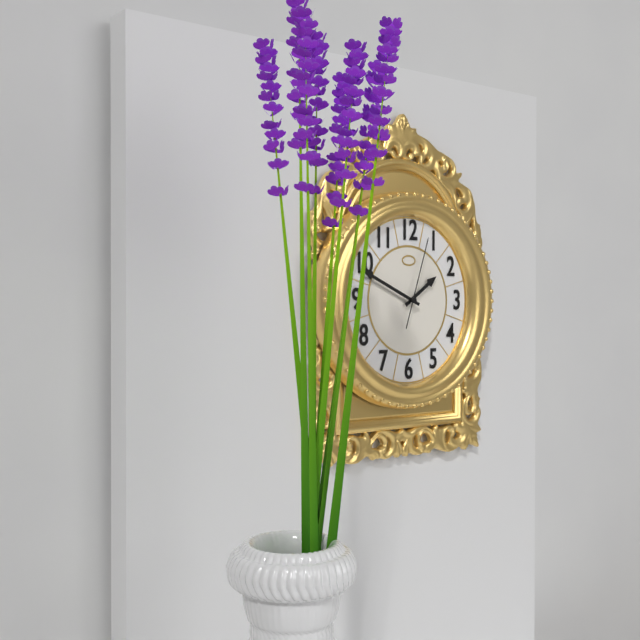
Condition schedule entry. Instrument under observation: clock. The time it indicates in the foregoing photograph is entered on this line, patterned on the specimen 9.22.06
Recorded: 1.49.03
